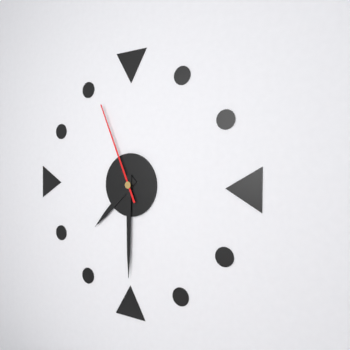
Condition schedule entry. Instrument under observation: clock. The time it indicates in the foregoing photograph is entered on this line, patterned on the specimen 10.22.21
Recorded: 7.30.56
